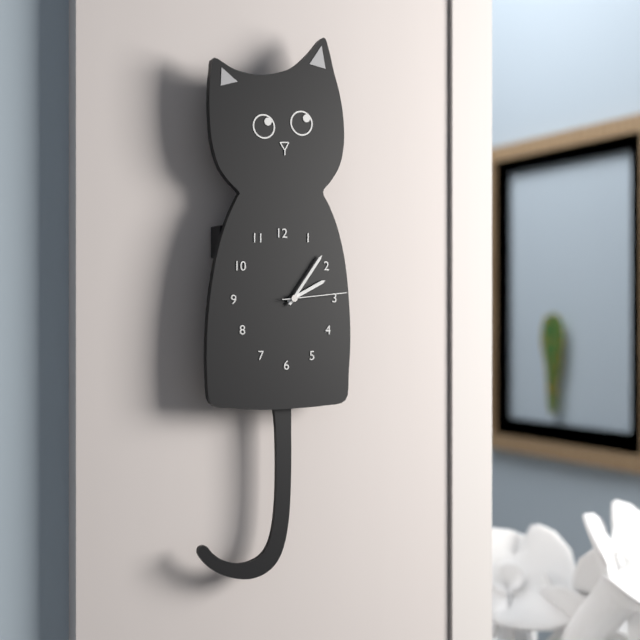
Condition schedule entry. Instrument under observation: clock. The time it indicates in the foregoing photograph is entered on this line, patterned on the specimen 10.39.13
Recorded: 2.06.14
